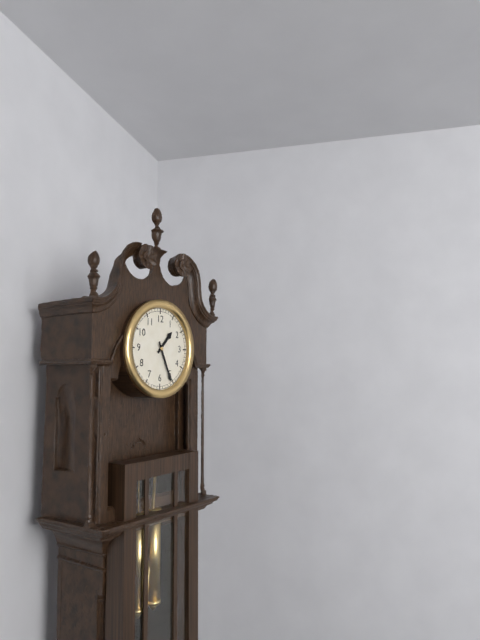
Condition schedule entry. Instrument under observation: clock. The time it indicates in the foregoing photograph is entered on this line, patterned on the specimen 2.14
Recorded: 1.26
